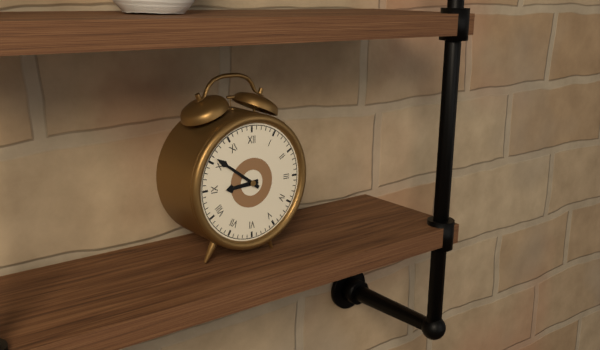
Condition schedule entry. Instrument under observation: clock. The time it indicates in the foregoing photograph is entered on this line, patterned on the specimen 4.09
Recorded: 8.51
